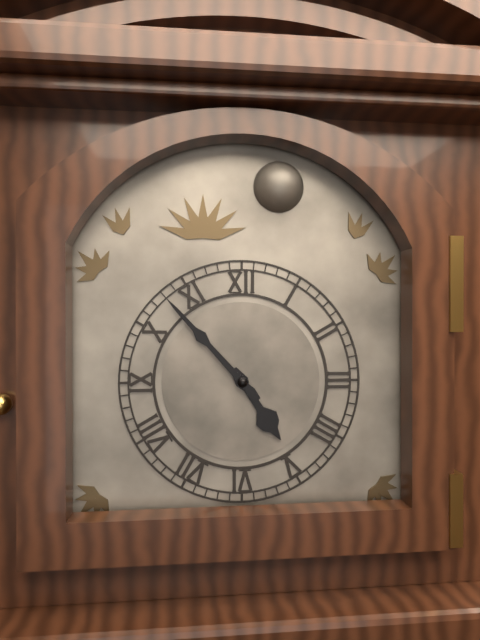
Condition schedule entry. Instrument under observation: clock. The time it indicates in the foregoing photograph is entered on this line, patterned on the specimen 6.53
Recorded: 4.53
